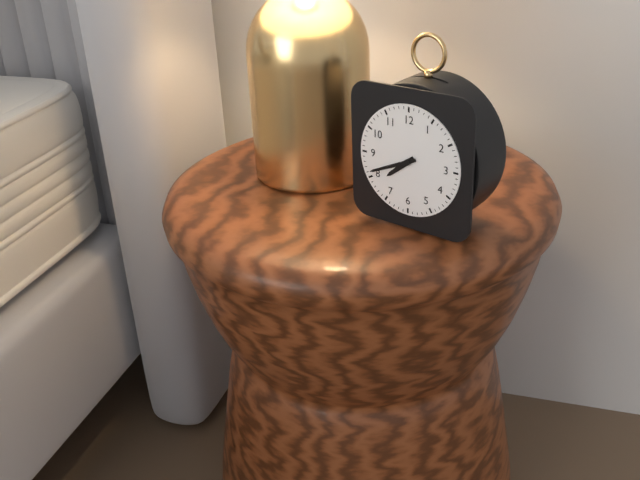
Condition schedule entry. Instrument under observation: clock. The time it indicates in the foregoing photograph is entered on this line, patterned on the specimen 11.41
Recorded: 7.41
